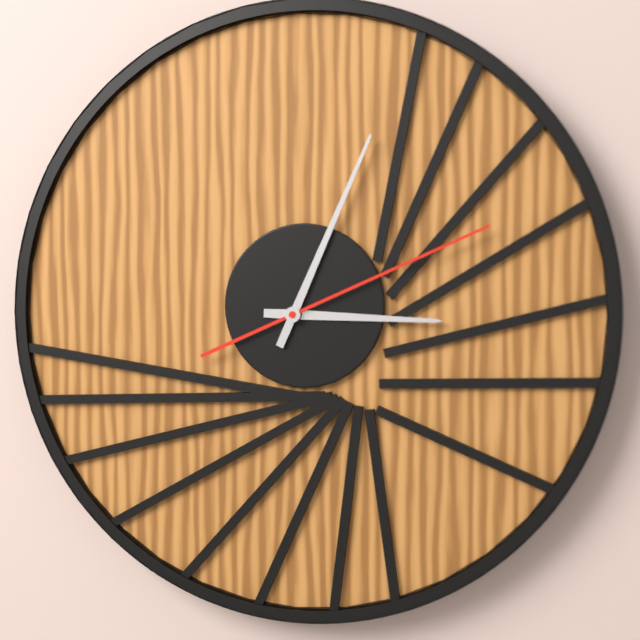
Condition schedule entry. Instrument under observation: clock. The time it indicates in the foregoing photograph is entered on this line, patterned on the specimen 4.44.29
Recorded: 3.04.11
